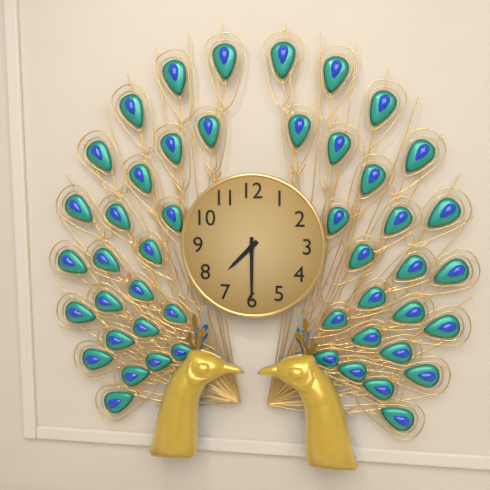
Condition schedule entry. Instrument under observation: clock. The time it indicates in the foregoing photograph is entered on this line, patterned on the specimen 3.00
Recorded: 7.30
